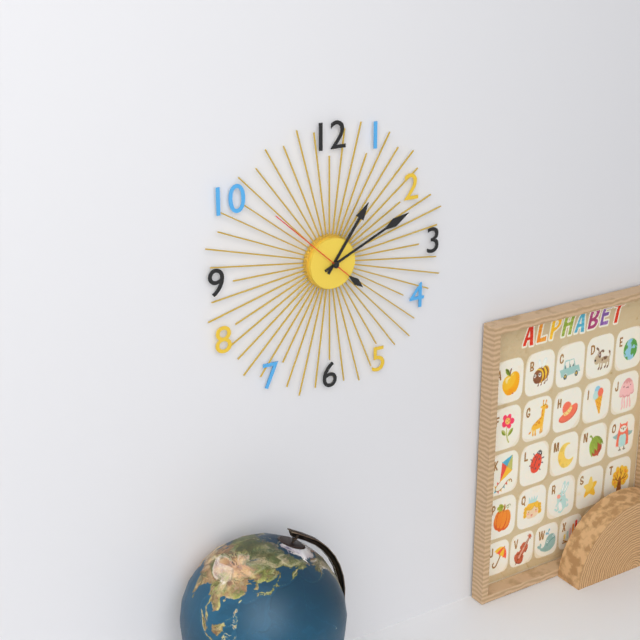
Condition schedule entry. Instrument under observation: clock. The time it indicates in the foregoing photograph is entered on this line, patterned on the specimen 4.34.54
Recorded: 1.11.52
